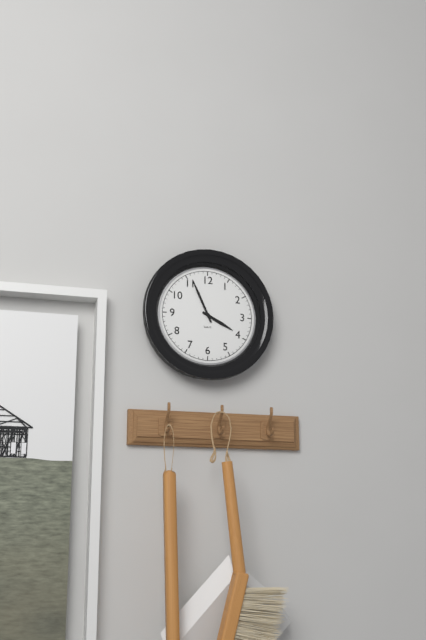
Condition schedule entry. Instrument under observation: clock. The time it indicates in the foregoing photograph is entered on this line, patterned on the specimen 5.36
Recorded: 3.56
